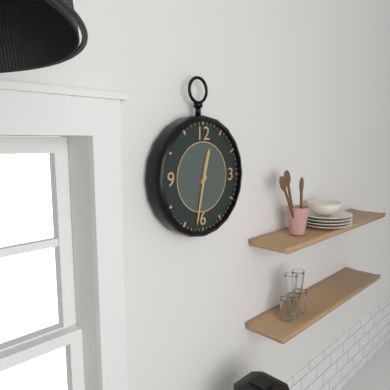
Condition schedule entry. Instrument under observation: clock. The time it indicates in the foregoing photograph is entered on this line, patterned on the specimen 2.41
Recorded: 12.32
